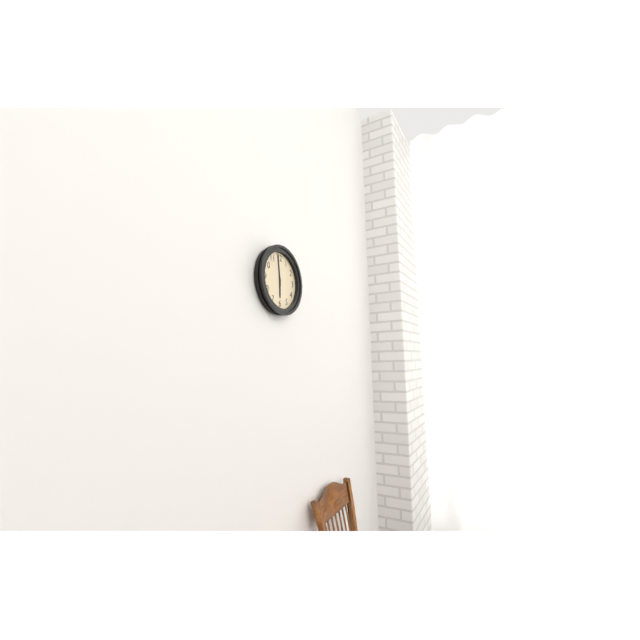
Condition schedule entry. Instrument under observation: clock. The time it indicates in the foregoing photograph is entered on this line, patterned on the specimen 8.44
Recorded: 5.59
